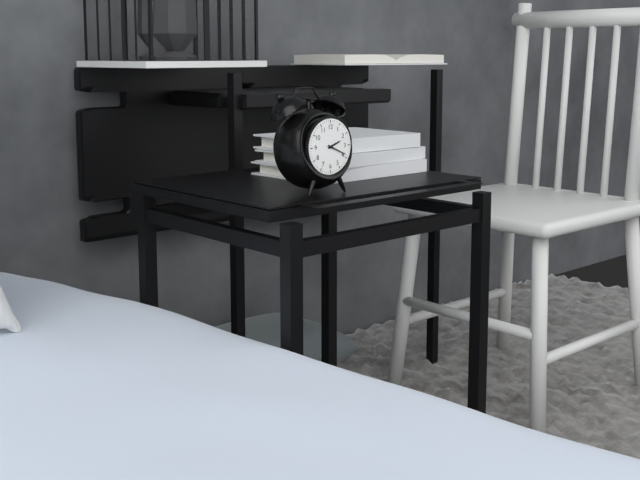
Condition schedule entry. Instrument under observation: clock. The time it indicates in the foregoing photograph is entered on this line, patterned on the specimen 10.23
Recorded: 2.19
